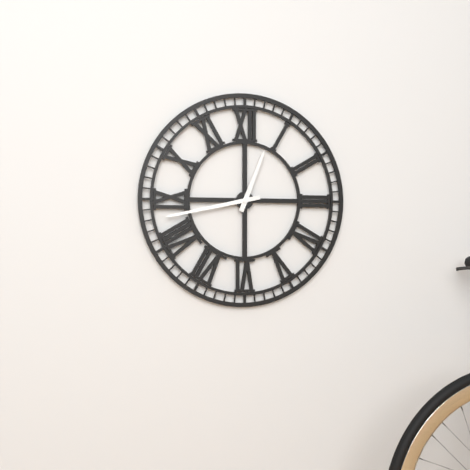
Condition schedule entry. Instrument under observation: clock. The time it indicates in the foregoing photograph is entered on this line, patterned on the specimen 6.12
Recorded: 12.43
